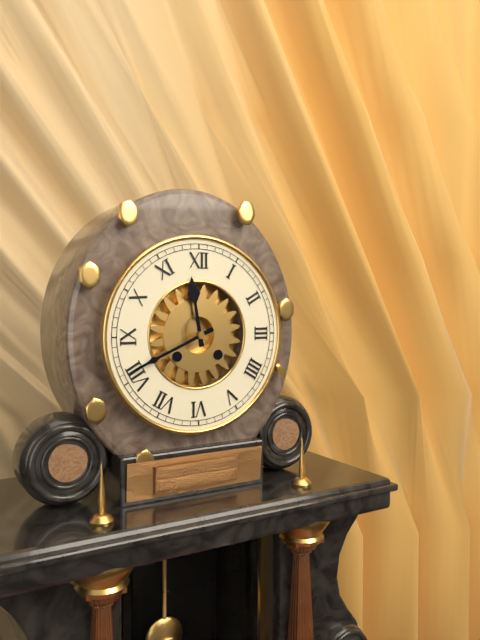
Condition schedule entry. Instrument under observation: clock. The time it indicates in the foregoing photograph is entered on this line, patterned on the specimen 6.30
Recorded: 11.41
